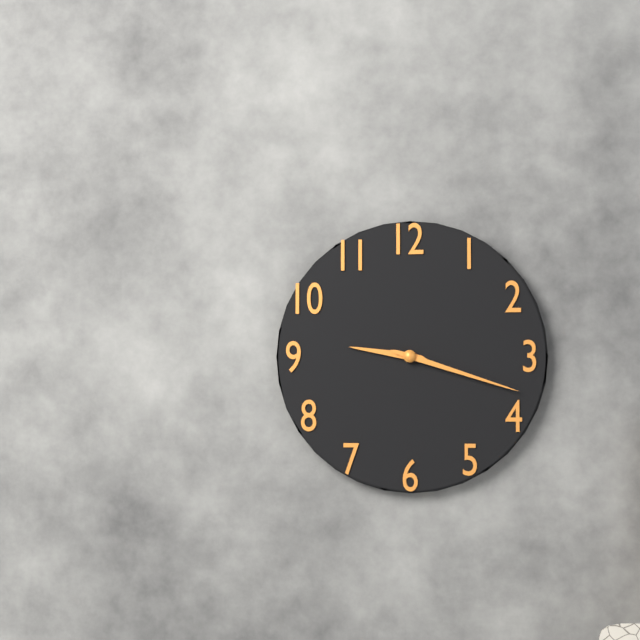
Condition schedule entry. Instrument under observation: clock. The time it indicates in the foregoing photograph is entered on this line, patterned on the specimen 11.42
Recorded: 9.18
